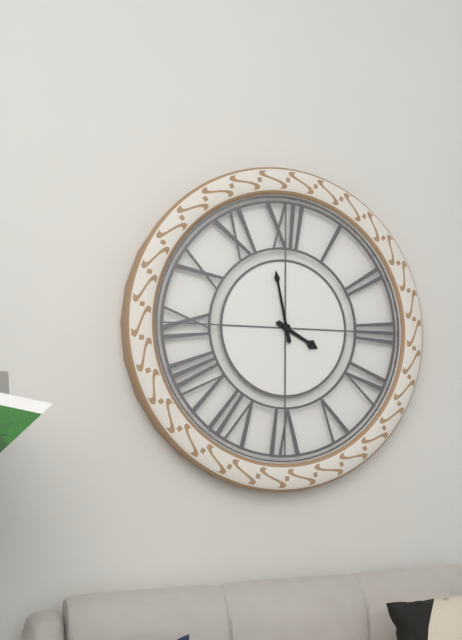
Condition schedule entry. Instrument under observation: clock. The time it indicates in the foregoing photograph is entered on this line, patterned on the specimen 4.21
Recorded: 3.58
